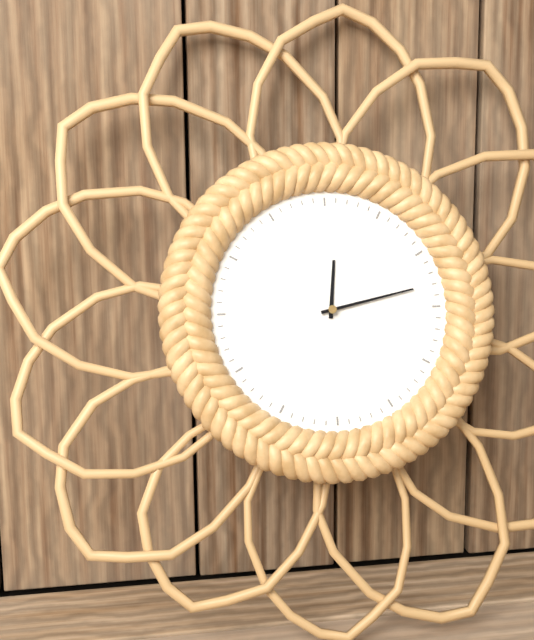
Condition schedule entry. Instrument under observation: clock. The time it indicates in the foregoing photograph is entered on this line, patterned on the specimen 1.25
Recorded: 12.13
